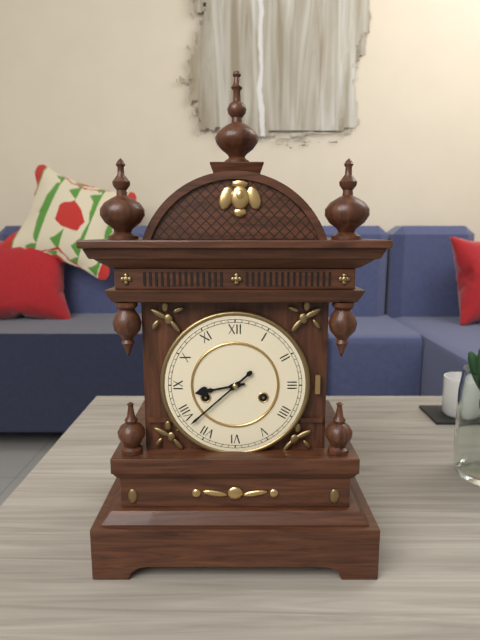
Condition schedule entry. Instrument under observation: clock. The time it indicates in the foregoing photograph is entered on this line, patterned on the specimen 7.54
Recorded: 8.38
